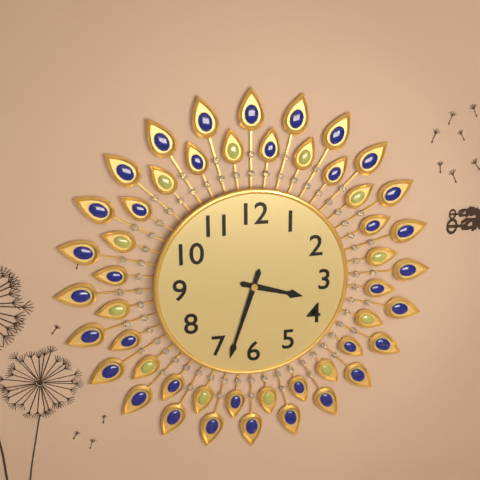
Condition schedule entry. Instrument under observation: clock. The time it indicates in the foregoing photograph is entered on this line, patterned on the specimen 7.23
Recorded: 3.33
